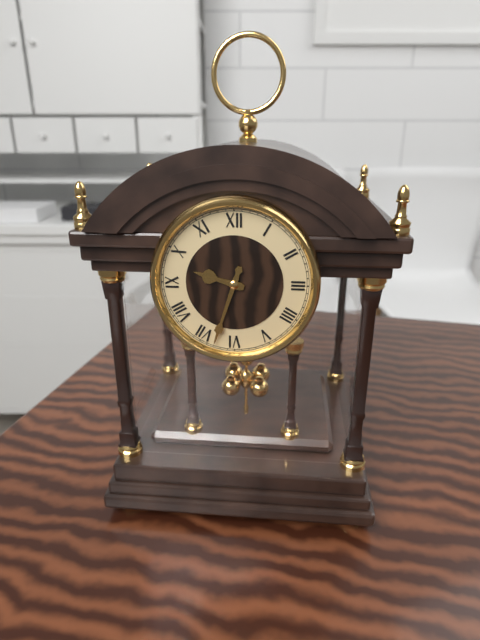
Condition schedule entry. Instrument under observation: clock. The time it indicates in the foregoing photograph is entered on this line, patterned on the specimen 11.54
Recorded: 9.33
